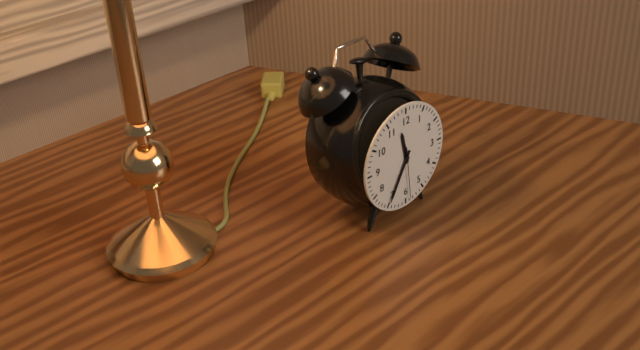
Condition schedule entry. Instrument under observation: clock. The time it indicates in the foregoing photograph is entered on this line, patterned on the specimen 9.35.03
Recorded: 11.35.29
